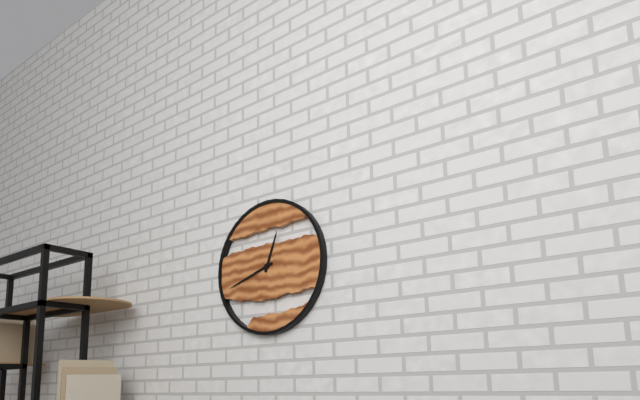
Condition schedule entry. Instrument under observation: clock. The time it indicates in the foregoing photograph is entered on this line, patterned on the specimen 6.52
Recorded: 12.42
